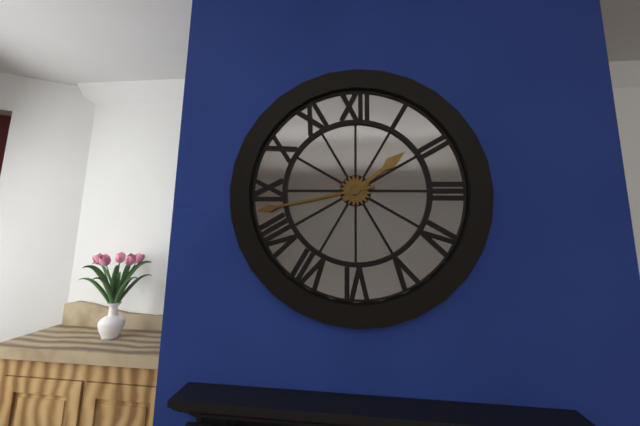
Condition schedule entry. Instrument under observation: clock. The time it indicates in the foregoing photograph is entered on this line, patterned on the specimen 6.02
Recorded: 1.43
